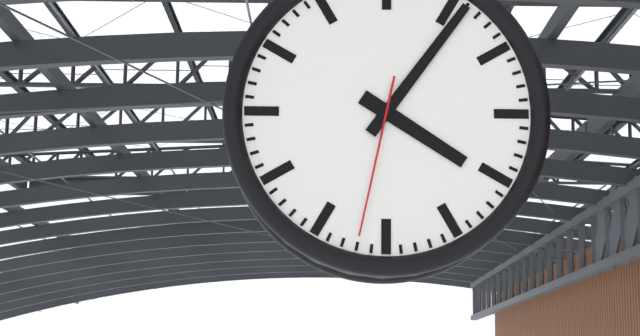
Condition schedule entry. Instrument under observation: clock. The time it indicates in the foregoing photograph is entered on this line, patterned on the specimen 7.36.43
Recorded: 4.06.32
